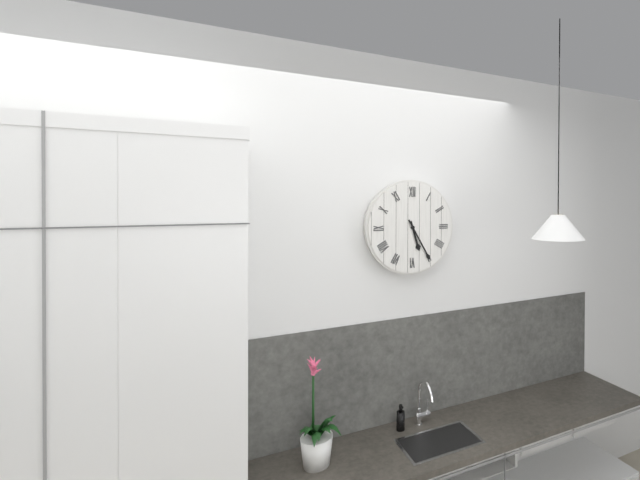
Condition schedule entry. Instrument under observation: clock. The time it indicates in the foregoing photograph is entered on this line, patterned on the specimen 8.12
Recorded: 5.25
